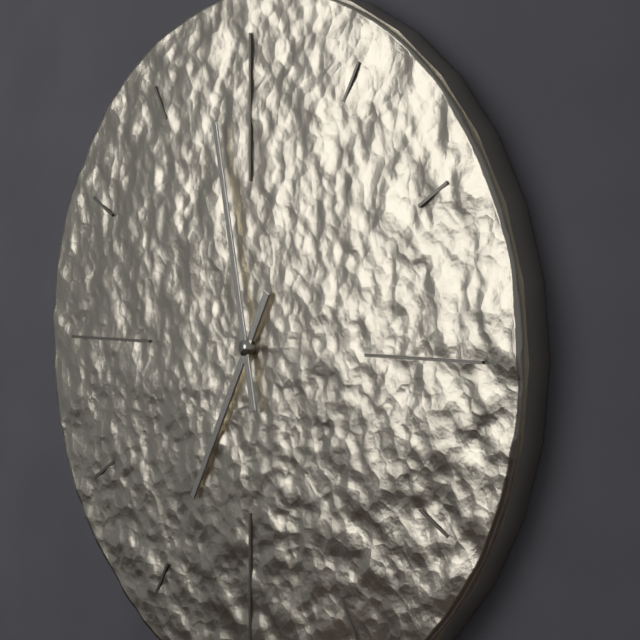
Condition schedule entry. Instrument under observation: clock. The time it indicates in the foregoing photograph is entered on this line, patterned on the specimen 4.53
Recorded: 6.58
